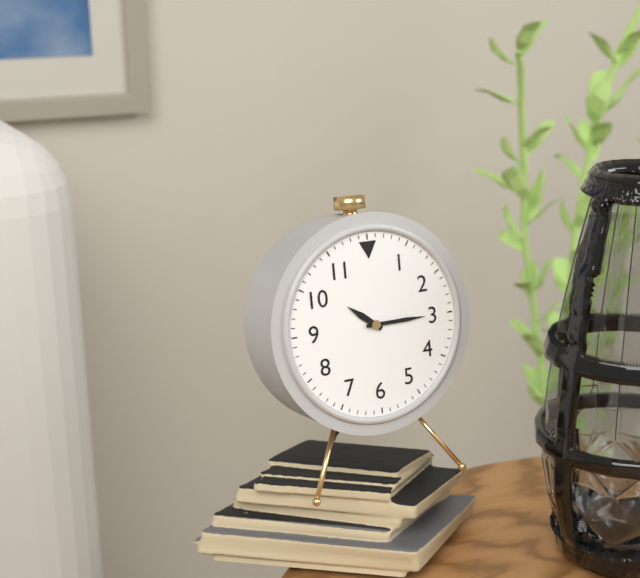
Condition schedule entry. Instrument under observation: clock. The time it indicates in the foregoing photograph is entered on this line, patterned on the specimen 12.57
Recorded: 10.15
